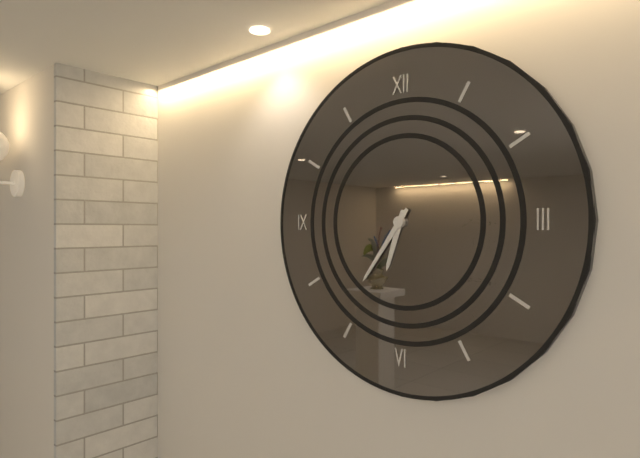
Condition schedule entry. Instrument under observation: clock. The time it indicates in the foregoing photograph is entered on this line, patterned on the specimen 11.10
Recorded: 6.36
